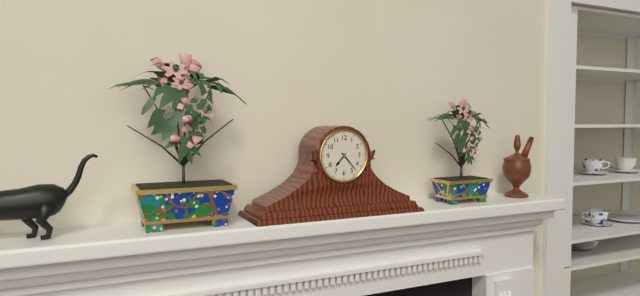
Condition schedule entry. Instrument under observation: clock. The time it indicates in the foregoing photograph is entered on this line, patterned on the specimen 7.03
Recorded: 7.23
